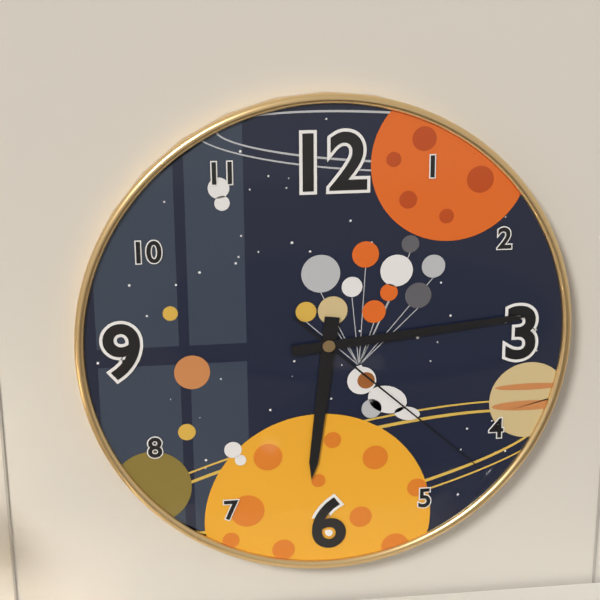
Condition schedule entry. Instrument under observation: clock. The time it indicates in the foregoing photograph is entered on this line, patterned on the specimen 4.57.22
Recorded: 6.14.22
